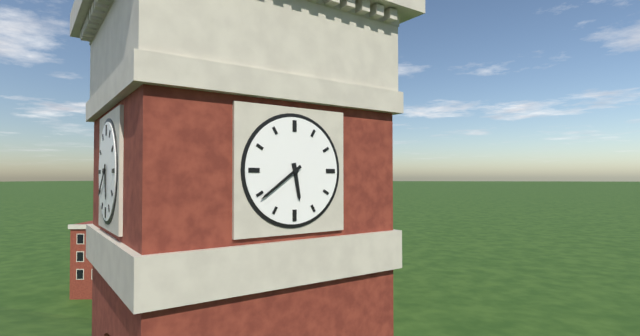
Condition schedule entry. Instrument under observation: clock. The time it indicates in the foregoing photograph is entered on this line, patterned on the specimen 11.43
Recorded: 5.39
